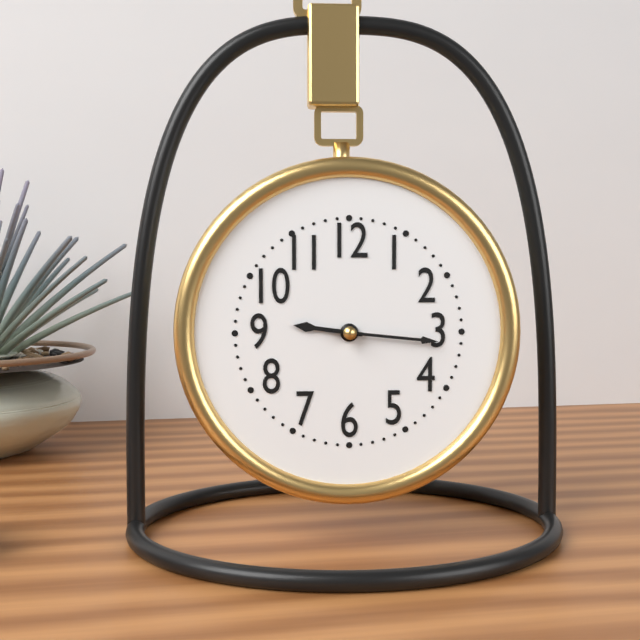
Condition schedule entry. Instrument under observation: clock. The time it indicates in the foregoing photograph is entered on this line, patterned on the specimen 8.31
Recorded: 9.16
